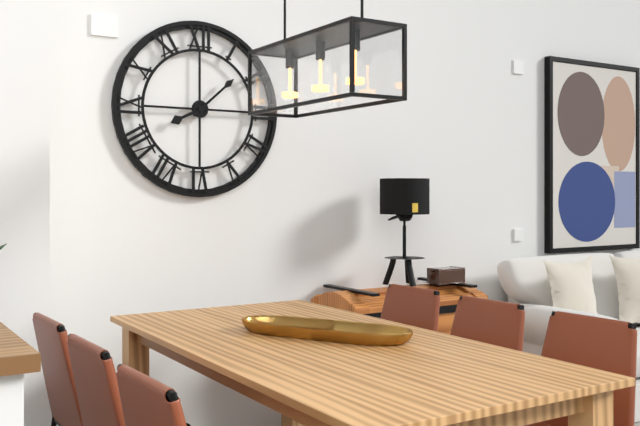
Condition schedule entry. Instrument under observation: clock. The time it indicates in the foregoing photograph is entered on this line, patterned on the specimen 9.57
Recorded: 8.08
